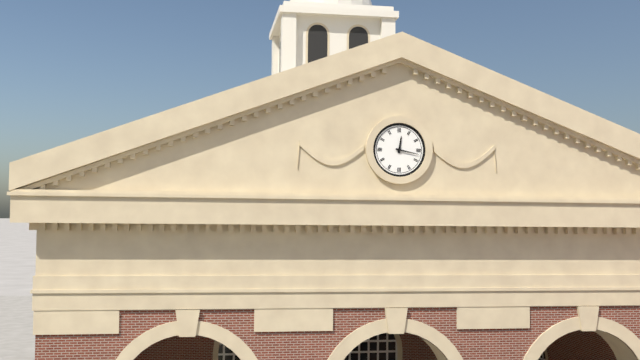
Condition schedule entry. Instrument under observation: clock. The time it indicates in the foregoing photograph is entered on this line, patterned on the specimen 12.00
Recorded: 12.17
